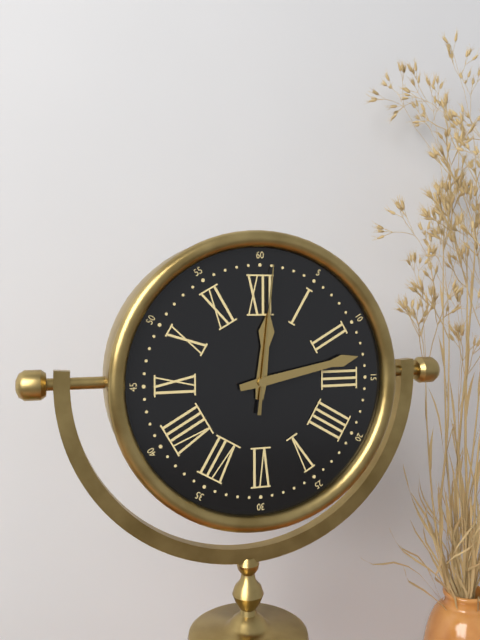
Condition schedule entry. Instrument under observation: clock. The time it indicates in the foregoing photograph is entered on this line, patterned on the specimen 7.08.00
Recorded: 12.13.01
